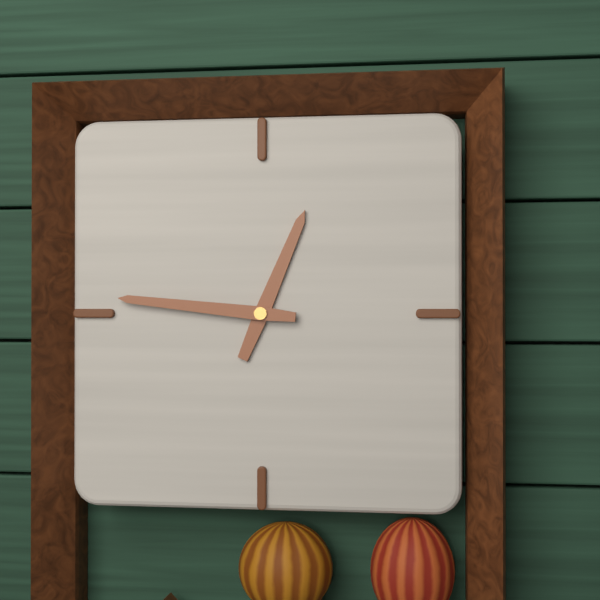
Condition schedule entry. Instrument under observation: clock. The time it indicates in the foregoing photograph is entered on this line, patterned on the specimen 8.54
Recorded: 12.46
